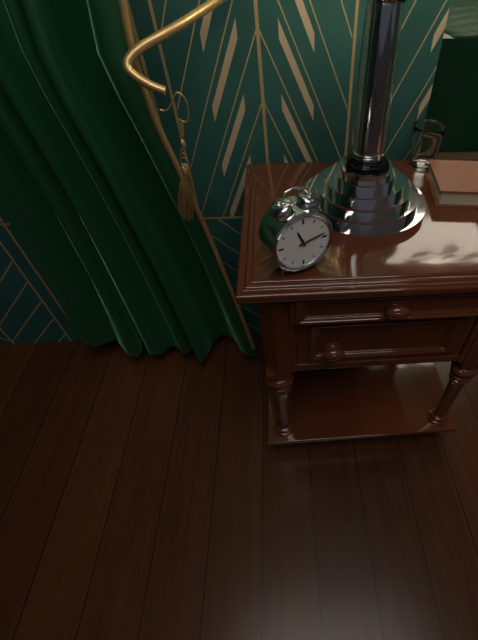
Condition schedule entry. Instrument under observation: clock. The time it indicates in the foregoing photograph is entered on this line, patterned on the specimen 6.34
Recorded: 11.13
